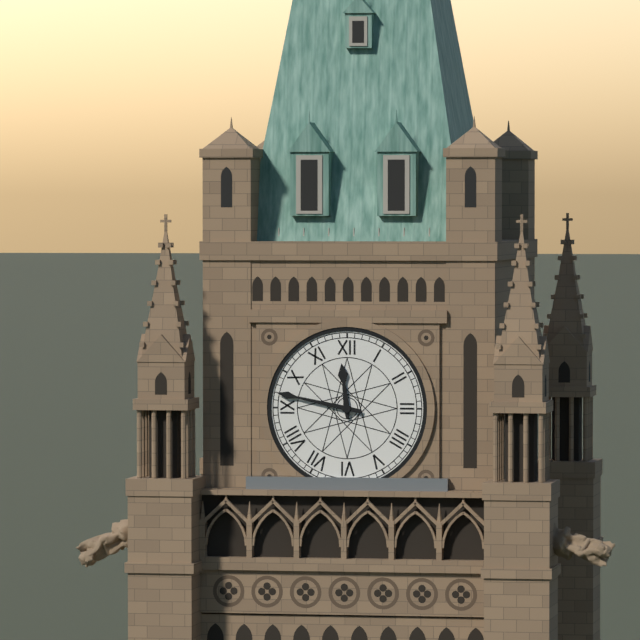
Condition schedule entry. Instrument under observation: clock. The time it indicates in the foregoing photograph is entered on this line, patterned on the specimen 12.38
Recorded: 11.47
